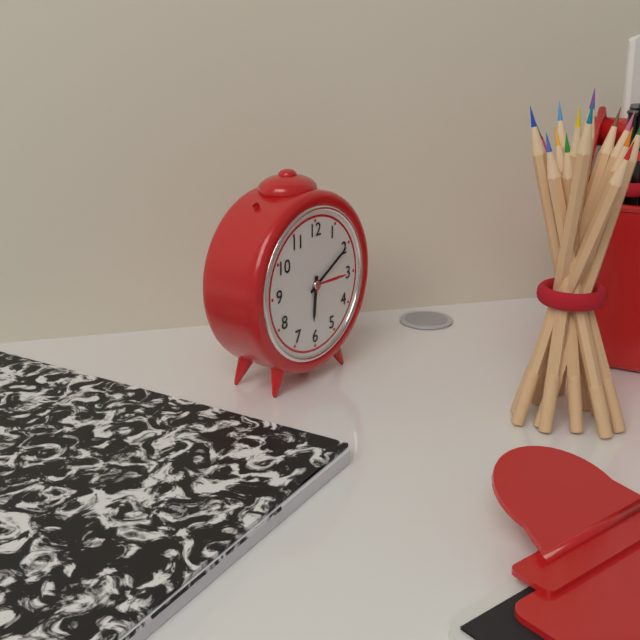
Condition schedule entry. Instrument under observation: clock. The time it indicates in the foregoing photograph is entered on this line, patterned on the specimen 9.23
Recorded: 6.10
